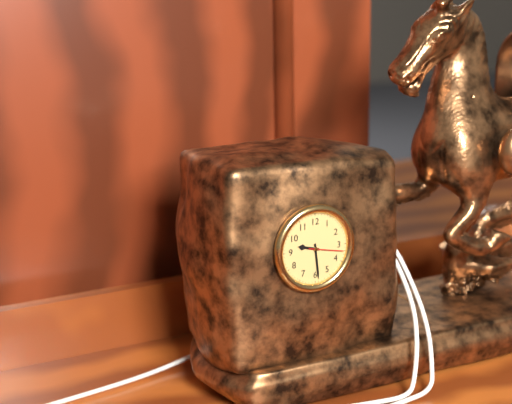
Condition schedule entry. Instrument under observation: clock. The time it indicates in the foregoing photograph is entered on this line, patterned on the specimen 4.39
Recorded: 9.29
